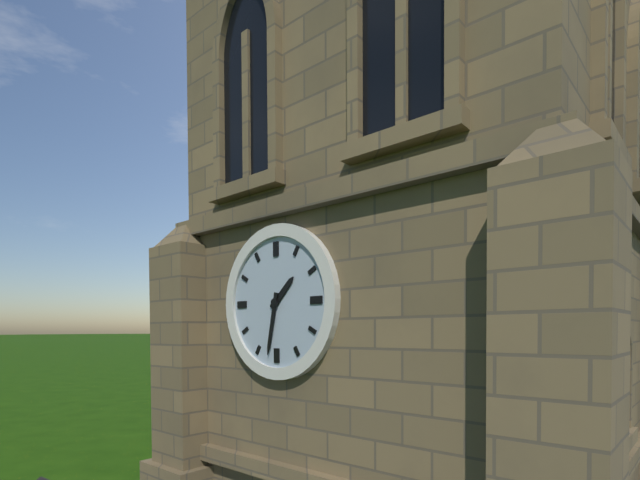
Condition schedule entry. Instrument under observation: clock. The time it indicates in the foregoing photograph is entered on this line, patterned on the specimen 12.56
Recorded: 1.32
